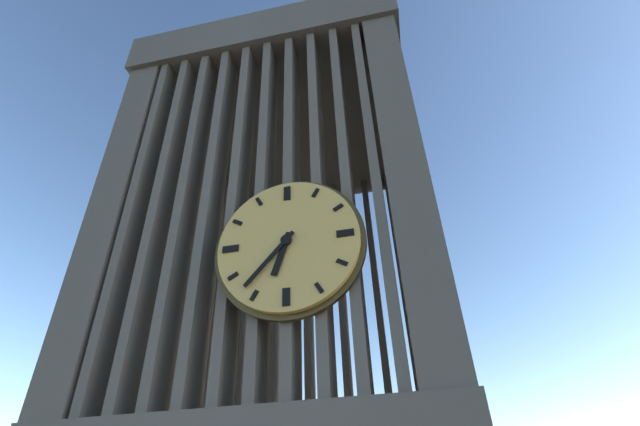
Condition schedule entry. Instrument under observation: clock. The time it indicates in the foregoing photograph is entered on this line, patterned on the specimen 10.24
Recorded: 6.37
